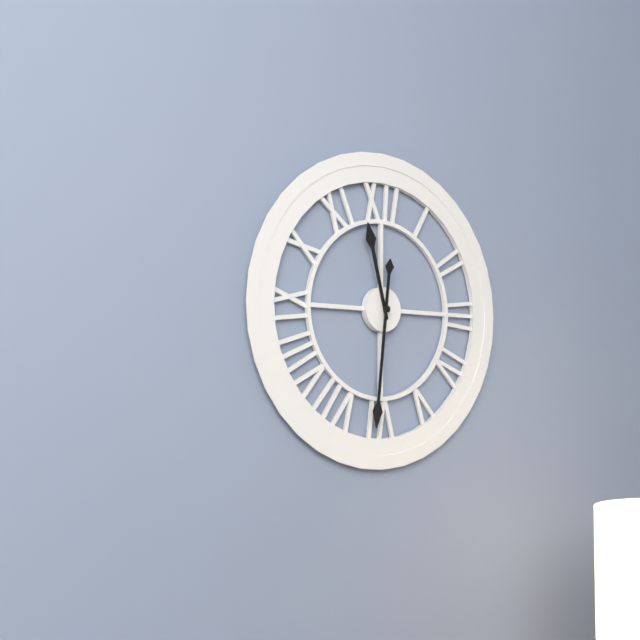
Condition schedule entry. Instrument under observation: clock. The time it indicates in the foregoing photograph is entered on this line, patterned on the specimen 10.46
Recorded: 11.31
